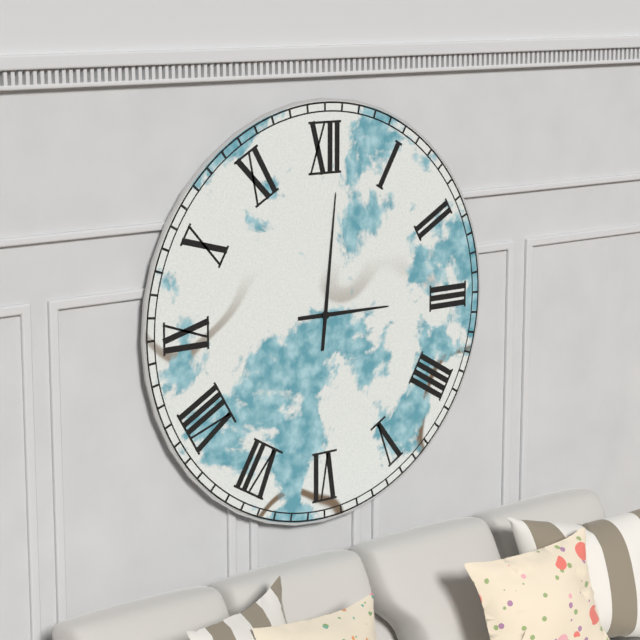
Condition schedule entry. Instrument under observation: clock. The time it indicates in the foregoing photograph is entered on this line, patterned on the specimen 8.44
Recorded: 3.01
